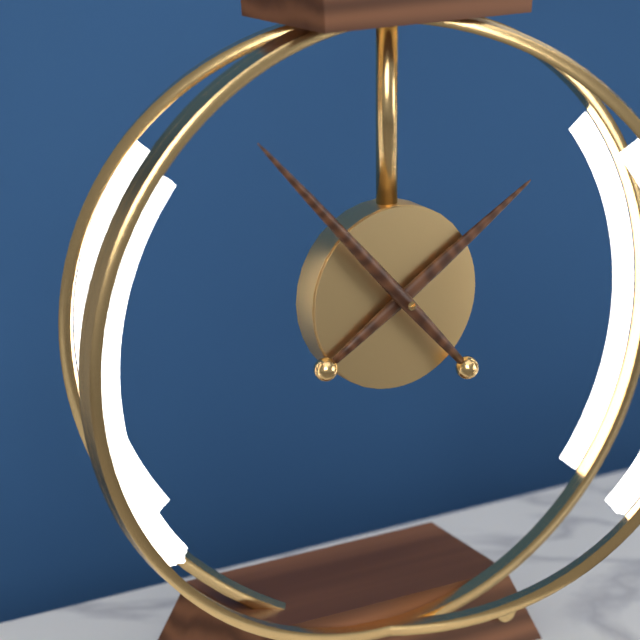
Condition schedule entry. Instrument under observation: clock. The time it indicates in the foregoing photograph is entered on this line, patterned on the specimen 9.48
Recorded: 1.53
